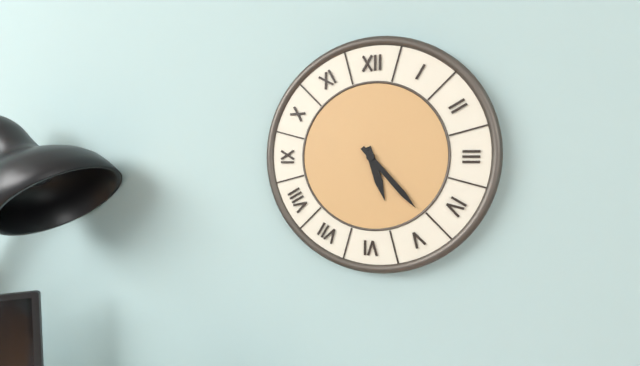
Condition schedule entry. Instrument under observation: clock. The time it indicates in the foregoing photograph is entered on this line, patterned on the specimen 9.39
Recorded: 5.23
